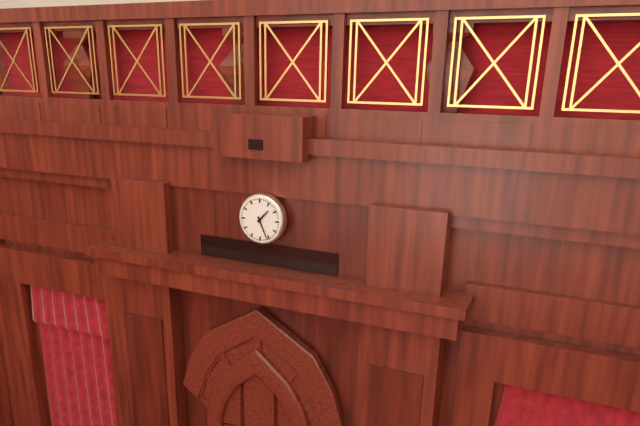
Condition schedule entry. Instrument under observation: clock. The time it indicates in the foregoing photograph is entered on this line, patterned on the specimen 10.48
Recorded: 1.26
